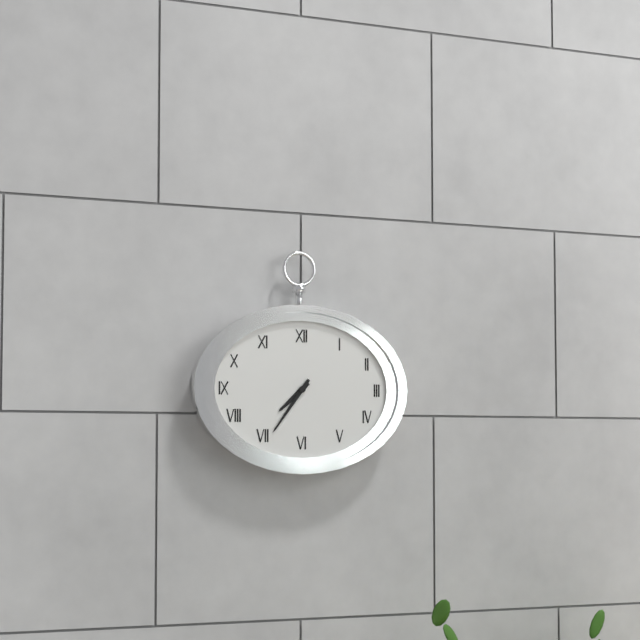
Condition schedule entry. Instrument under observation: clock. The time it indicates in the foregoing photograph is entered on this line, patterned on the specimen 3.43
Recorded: 7.36
